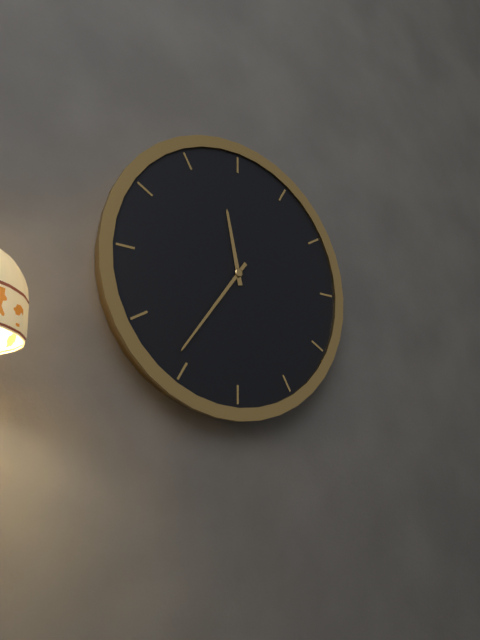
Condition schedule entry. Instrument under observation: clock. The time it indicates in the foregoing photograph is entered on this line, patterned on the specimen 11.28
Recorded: 11.36
